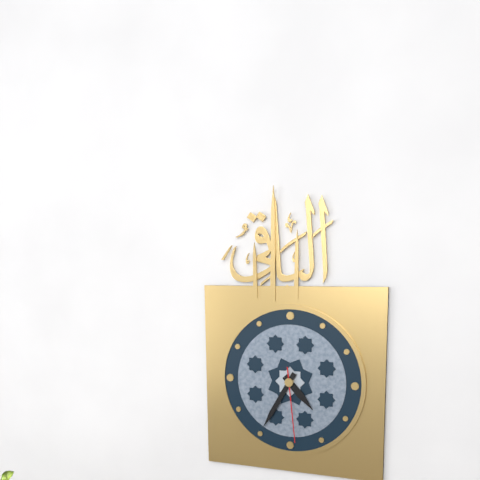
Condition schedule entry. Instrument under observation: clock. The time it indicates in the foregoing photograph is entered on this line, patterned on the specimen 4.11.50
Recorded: 4.35.29
